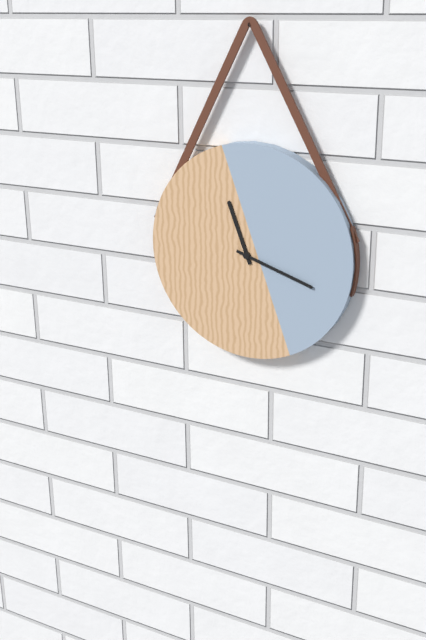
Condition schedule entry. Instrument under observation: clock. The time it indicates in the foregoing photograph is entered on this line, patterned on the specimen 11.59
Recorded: 11.18
